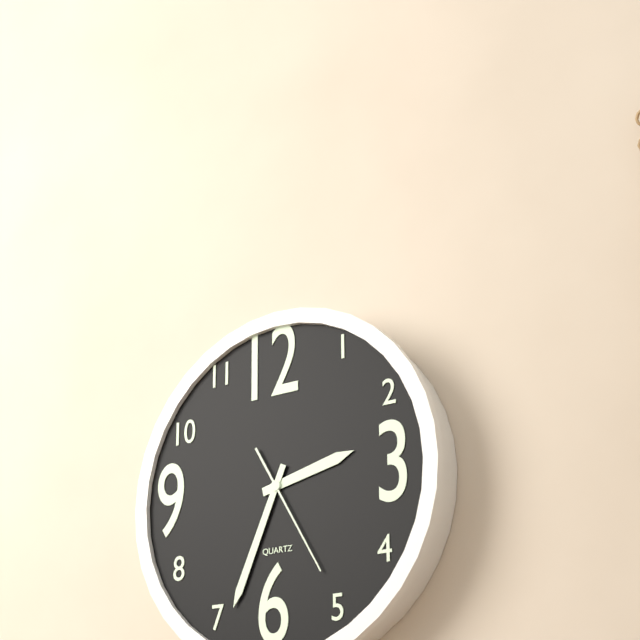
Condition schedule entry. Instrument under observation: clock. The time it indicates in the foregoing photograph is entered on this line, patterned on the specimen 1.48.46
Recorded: 2.34.25
